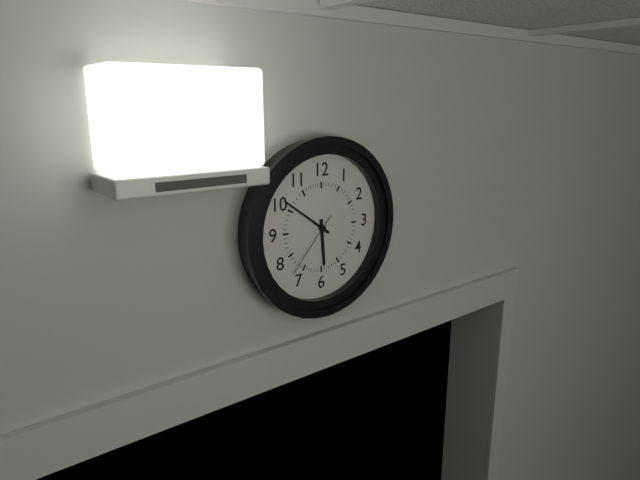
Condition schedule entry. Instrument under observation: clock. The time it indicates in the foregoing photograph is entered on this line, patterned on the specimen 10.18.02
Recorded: 5.51.37
